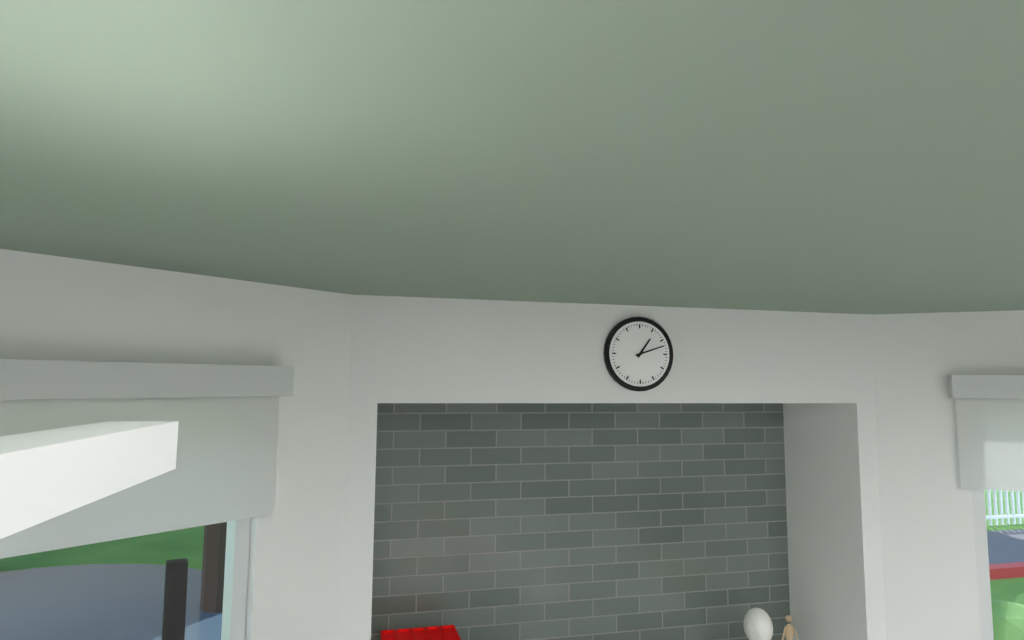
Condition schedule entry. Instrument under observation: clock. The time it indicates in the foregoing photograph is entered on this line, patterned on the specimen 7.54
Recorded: 1.12
